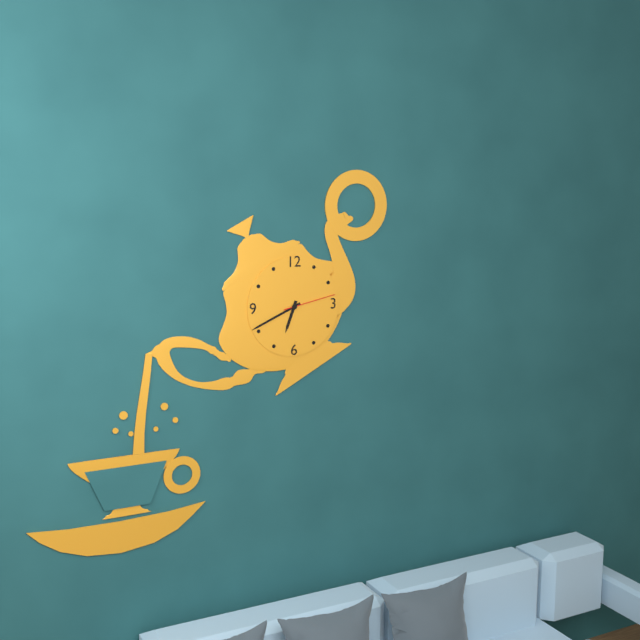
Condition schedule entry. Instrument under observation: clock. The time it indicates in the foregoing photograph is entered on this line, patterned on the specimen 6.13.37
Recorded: 6.41.13
